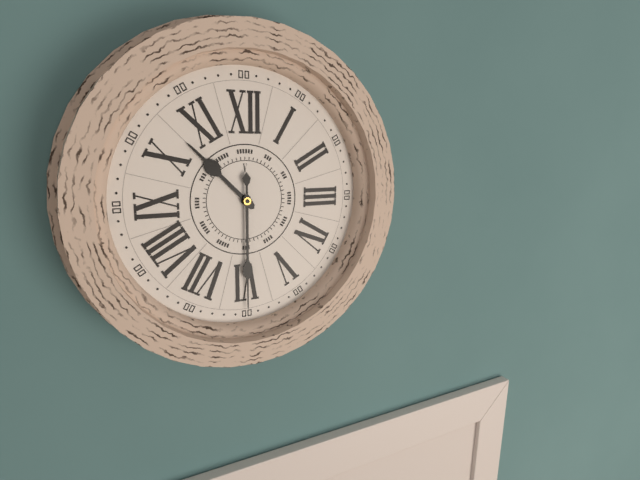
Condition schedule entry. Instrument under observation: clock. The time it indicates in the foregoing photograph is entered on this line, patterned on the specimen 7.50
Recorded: 10.30
